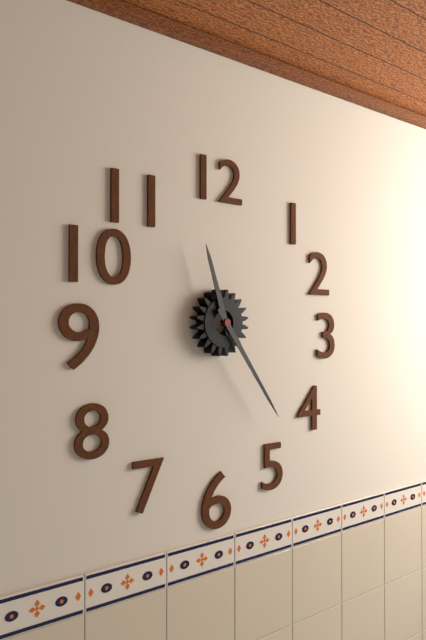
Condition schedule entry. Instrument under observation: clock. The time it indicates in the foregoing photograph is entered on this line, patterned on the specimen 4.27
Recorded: 11.24
